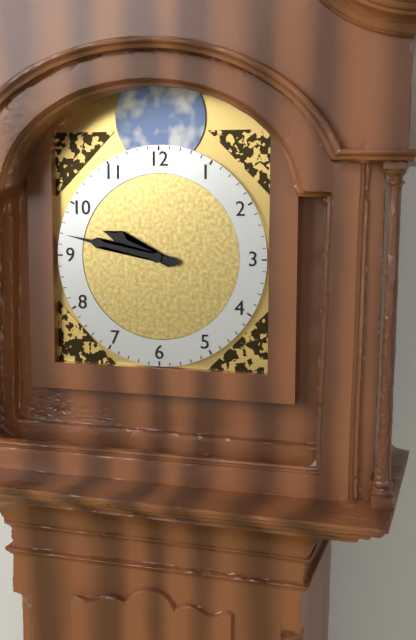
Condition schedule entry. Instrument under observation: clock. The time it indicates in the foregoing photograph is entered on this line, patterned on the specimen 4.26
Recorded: 9.47
